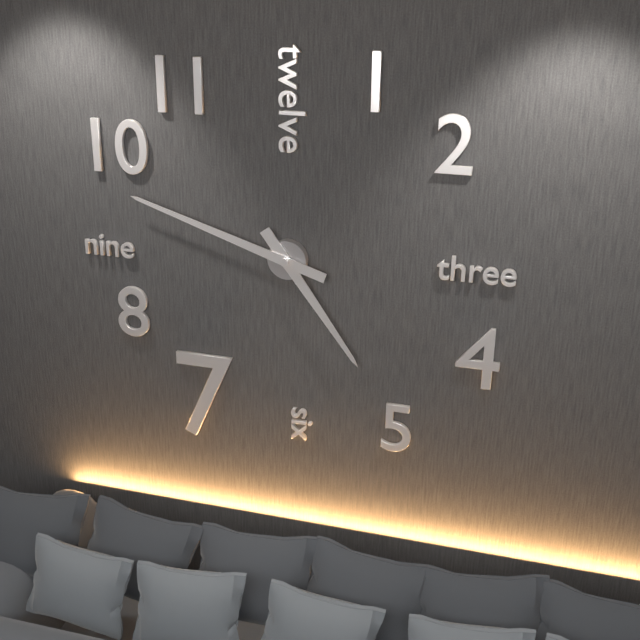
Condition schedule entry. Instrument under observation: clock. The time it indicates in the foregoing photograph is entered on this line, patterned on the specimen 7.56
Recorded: 4.48
